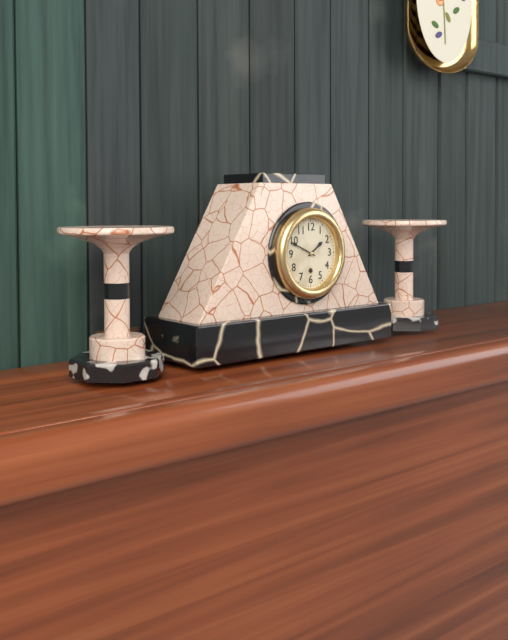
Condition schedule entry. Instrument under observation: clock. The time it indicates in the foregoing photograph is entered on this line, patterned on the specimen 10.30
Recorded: 1.49
